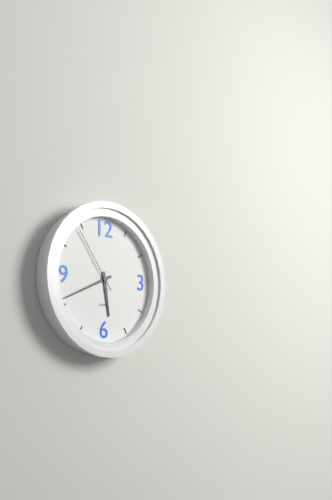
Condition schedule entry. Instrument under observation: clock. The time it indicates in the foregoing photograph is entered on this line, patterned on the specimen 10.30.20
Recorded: 5.41.54
